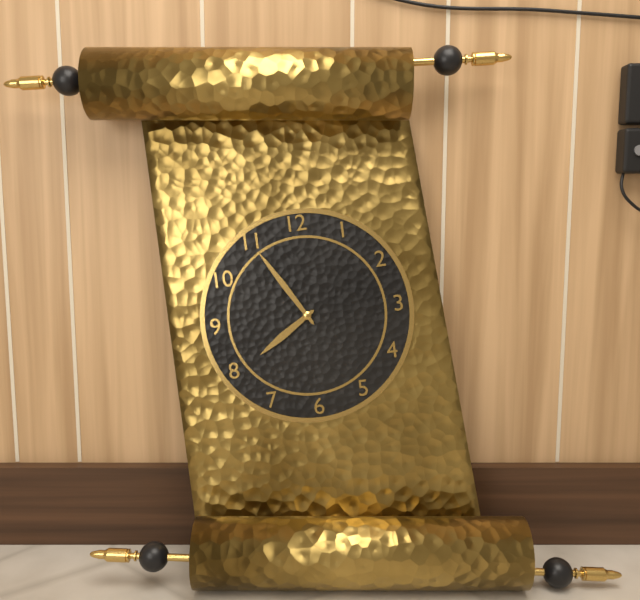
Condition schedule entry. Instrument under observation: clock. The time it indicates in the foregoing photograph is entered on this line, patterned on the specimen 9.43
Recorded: 7.55
